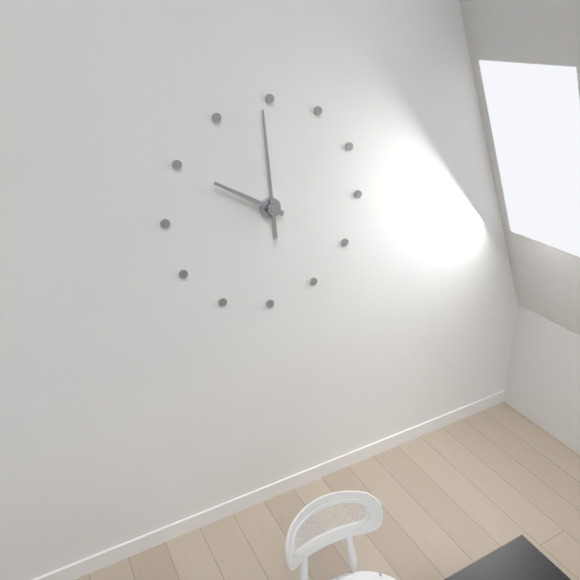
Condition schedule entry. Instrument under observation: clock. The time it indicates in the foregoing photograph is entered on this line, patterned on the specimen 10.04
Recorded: 9.59
